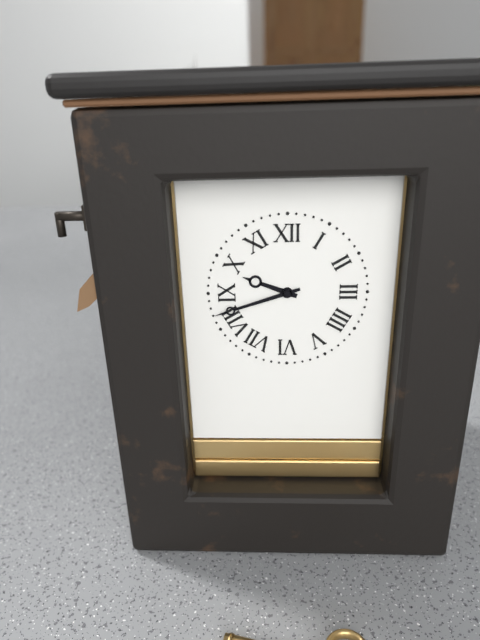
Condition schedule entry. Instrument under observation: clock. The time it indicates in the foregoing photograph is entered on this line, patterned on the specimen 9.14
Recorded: 9.42
